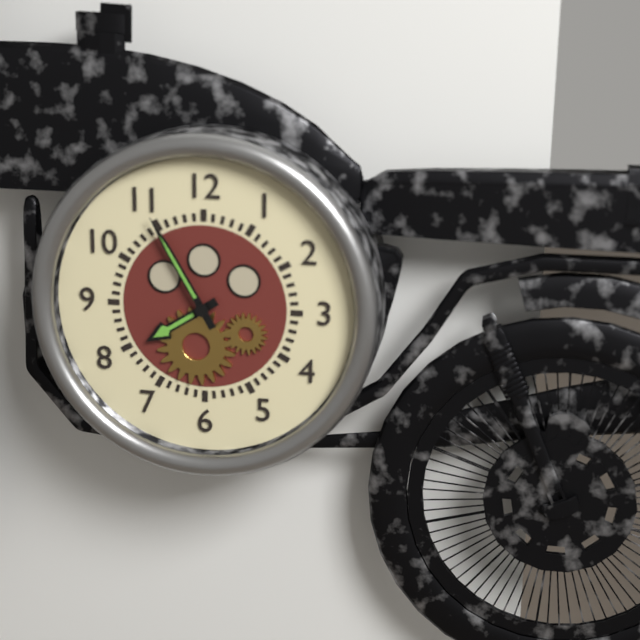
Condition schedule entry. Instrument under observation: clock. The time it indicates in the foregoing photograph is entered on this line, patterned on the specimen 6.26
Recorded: 7.55
